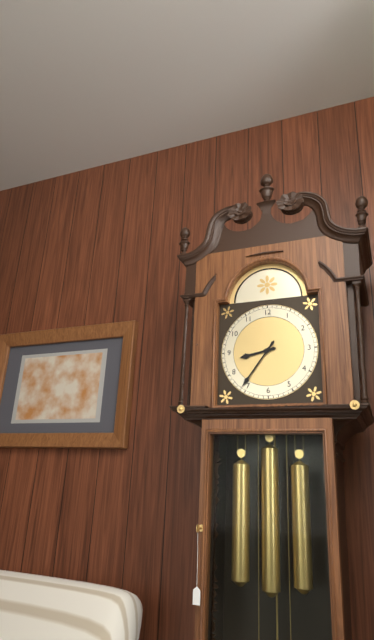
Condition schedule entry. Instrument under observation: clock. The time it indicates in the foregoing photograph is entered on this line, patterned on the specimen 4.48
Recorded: 8.36
